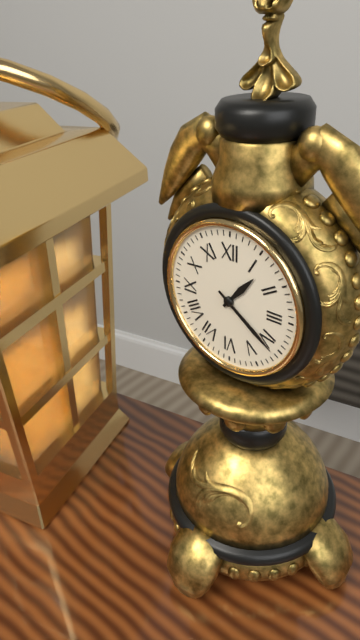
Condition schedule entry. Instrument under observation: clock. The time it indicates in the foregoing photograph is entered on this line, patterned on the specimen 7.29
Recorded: 1.21
